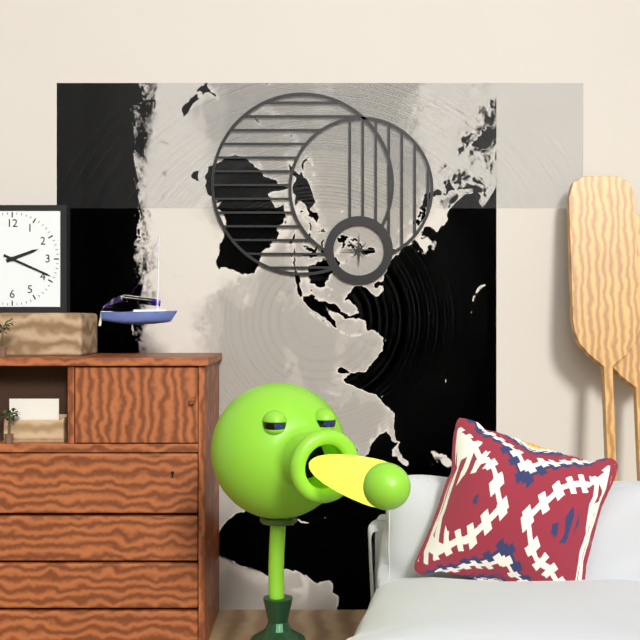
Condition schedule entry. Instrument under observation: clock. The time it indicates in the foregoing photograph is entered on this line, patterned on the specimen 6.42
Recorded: 2.19
